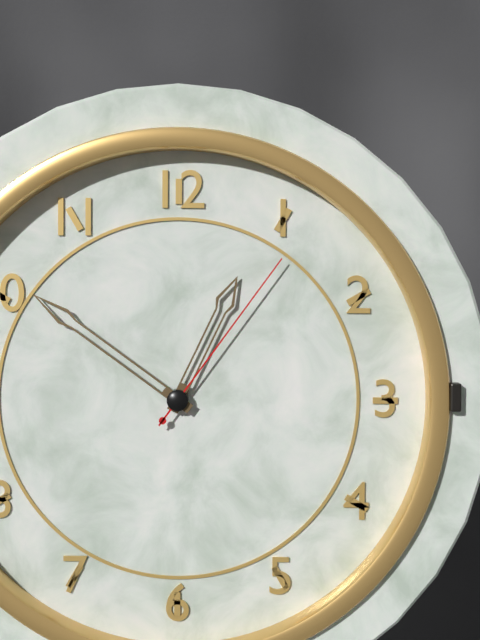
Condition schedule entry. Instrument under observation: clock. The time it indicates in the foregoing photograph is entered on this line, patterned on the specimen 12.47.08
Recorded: 12.51.06
